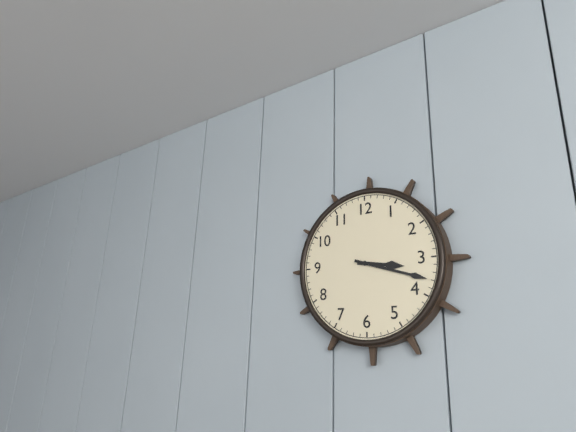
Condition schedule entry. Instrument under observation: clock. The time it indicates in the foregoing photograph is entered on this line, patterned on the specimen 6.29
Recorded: 3.18
